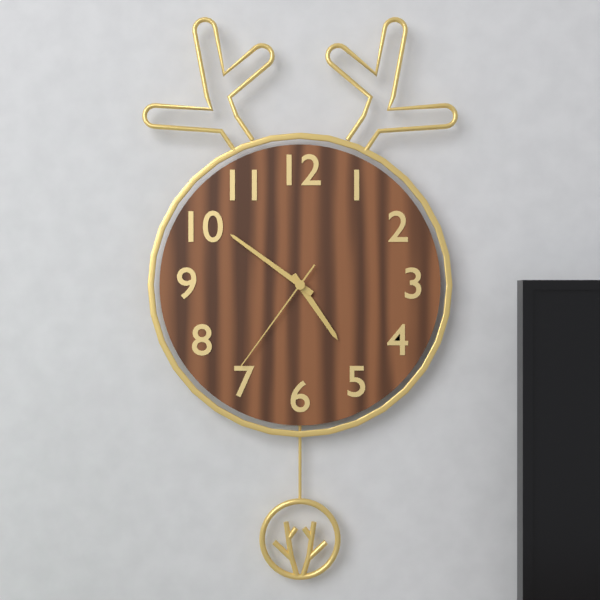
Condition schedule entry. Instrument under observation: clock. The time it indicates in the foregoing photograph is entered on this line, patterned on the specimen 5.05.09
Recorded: 4.51.36
